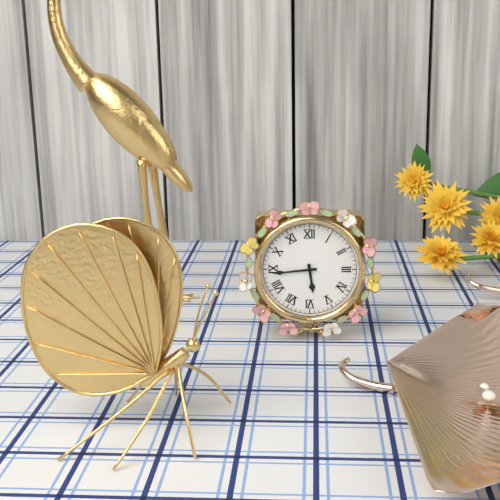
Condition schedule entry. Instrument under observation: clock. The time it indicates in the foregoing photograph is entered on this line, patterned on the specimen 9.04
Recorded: 5.44
